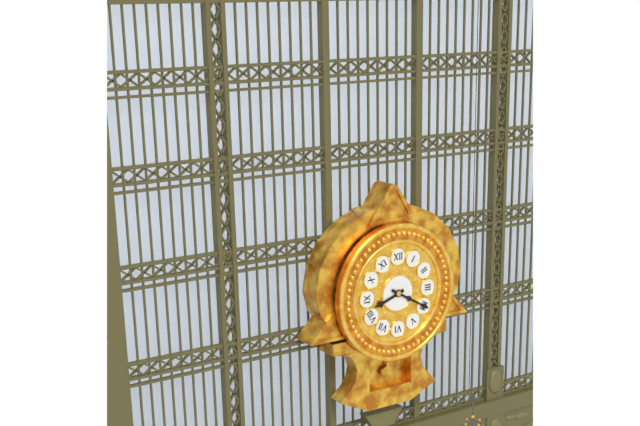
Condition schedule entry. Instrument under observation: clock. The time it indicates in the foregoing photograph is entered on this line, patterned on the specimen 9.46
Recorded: 8.20
